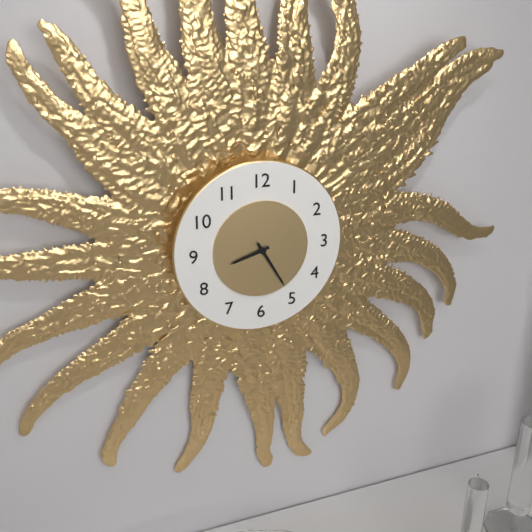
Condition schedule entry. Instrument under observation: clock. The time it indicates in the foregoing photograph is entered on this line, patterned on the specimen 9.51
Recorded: 8.25
